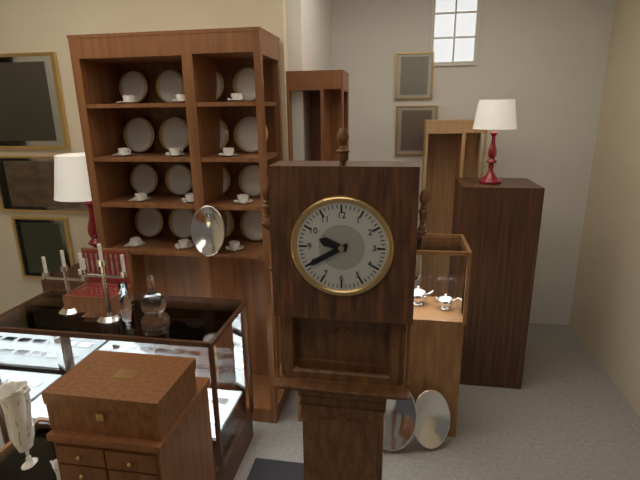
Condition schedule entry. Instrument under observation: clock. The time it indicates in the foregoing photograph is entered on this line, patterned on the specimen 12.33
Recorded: 9.40
